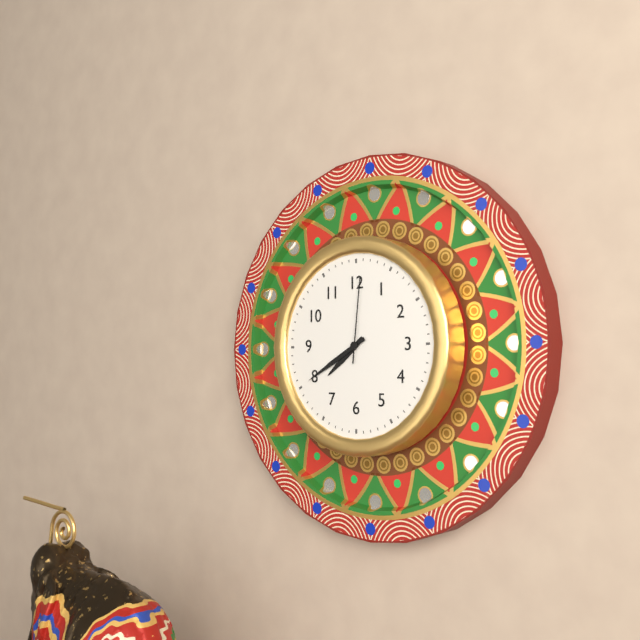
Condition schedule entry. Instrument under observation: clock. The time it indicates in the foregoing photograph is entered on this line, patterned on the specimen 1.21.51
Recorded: 7.40.01
